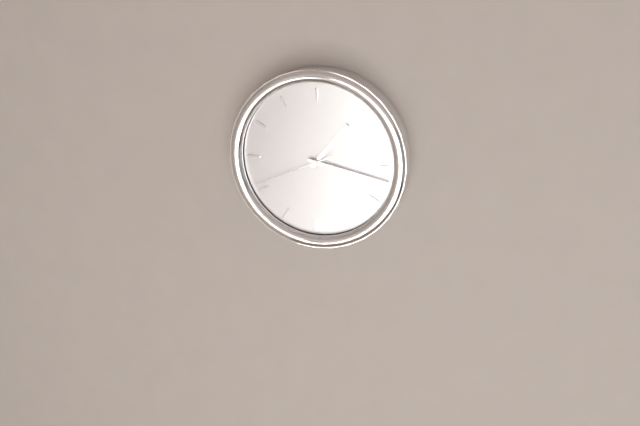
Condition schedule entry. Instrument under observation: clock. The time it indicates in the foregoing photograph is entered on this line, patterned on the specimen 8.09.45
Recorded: 1.17.41
